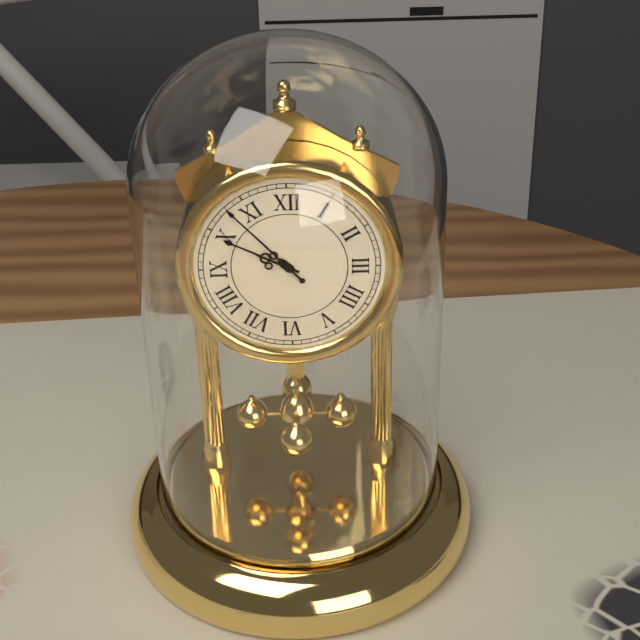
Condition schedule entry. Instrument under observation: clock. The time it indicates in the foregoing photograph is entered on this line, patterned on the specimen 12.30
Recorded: 9.53
